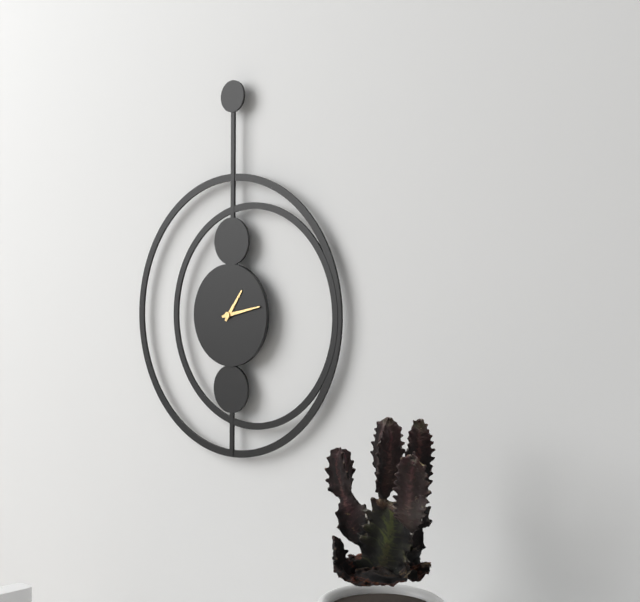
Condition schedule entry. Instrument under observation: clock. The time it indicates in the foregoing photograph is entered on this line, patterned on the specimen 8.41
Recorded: 1.13
